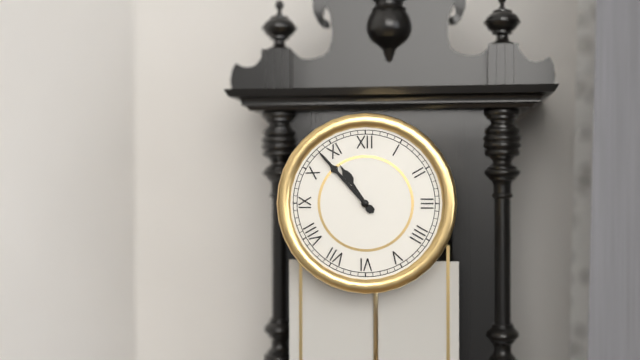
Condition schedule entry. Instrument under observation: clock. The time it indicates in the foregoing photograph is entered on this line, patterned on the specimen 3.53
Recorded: 10.53
